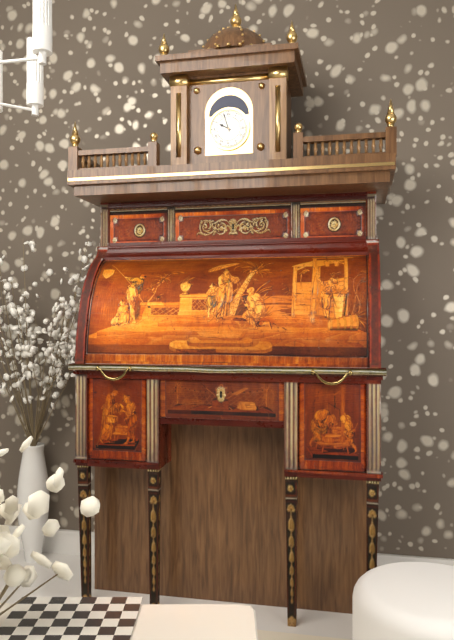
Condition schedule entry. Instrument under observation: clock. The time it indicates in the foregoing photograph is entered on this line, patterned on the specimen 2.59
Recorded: 9.57
